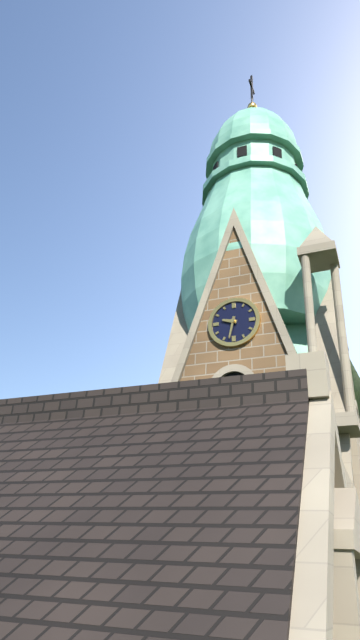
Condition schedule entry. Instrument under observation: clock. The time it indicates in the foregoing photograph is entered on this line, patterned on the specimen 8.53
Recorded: 9.32
